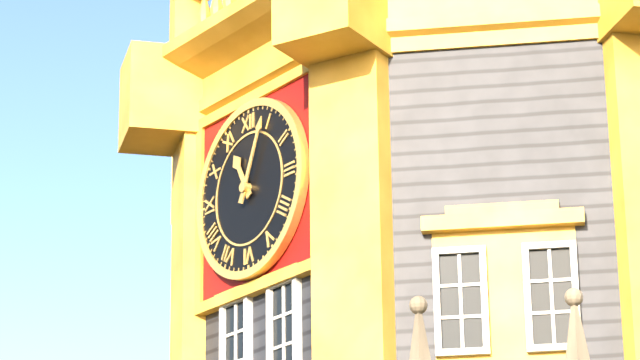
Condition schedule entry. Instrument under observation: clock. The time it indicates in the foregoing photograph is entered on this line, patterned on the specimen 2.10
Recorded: 11.04
